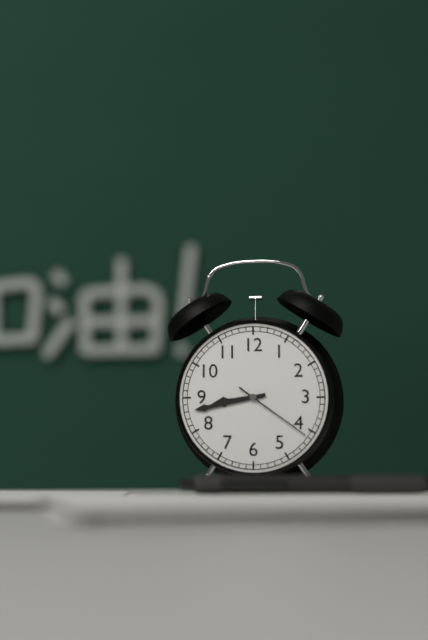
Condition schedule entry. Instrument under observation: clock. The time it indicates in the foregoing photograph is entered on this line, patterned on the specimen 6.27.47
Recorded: 8.43.21
